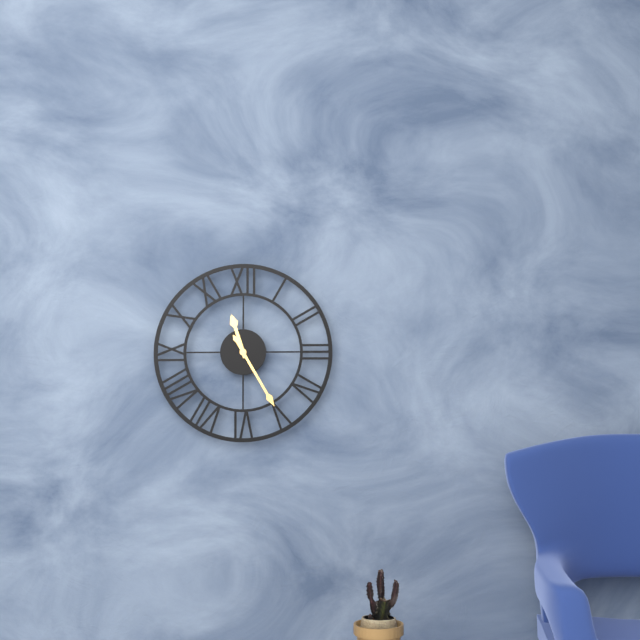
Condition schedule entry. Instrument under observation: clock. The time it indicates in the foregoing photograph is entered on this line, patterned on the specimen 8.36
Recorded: 11.25
